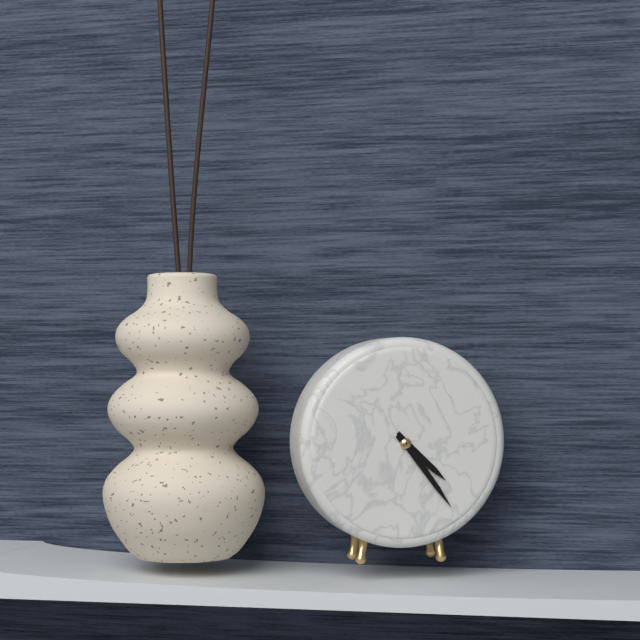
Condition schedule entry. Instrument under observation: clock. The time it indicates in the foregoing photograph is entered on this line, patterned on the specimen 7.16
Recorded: 4.24
